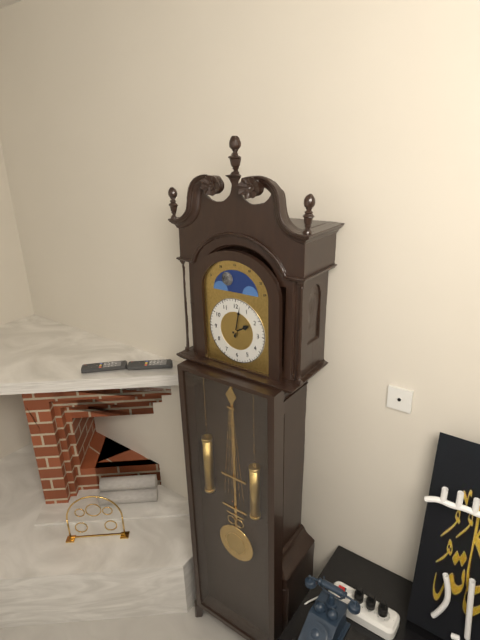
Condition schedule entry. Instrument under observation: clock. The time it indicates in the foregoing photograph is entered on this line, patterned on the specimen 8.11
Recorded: 2.02
